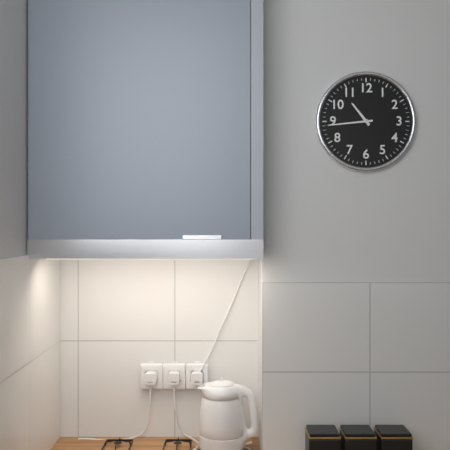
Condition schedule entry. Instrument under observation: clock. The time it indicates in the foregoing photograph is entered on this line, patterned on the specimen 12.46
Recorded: 10.44
